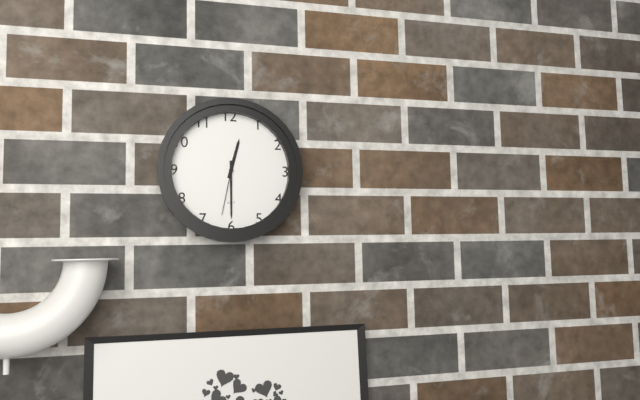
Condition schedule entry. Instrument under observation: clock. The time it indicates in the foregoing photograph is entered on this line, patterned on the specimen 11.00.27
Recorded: 12.30.32
